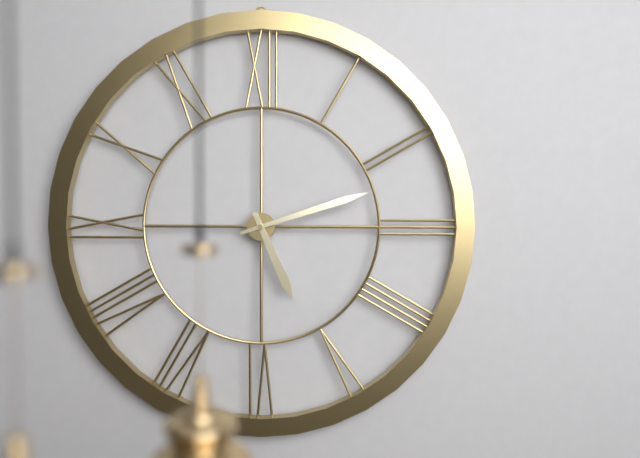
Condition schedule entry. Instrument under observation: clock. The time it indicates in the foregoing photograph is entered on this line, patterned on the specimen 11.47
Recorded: 5.12
